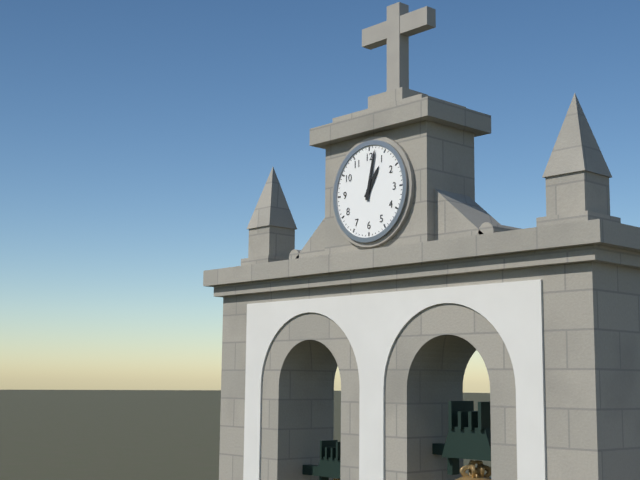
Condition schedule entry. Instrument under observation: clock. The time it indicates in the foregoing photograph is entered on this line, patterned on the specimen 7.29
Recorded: 1.02
